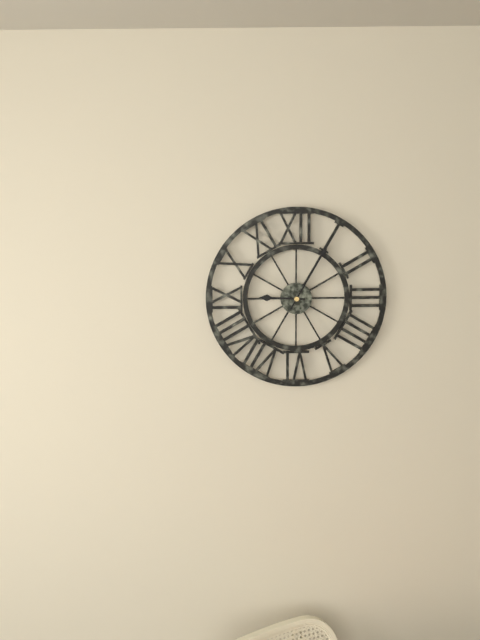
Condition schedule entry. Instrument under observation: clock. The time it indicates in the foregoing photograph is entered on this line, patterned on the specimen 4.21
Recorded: 9.05
